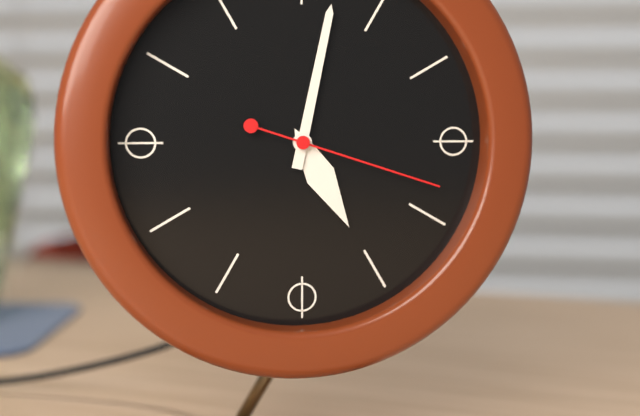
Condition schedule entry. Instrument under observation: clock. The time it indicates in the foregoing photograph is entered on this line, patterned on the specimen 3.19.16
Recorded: 5.02.18
